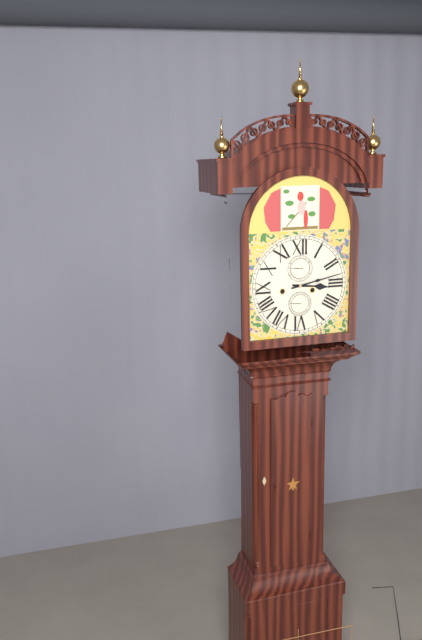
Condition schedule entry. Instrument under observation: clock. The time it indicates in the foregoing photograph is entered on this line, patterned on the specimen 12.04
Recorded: 3.13
